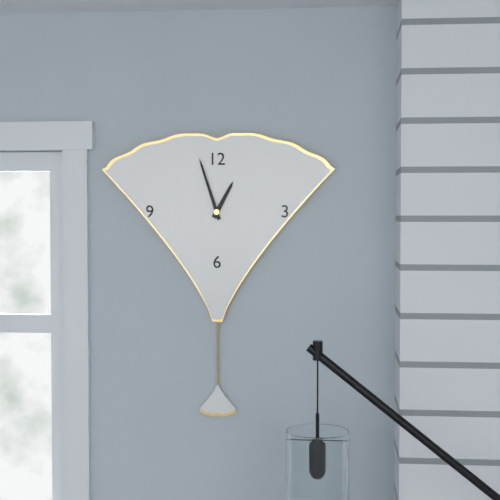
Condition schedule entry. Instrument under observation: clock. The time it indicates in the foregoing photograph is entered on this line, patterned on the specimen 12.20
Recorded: 12.57
